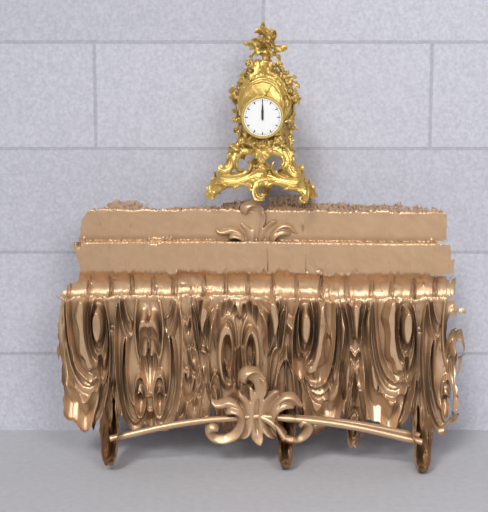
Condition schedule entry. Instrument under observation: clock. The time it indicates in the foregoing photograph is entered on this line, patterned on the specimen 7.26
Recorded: 12.00
